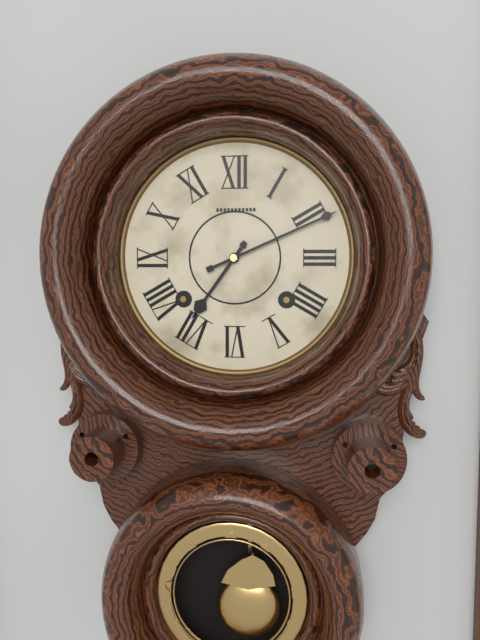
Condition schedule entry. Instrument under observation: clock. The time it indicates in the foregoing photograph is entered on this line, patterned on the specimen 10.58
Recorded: 7.11
